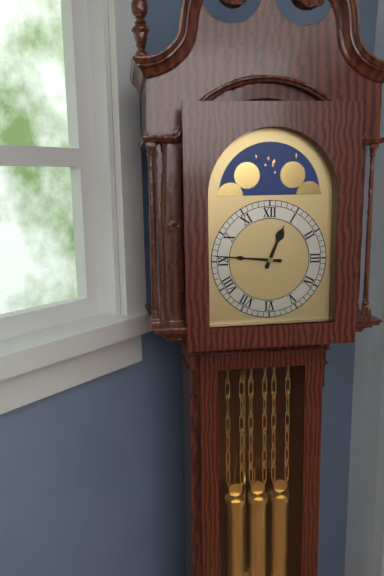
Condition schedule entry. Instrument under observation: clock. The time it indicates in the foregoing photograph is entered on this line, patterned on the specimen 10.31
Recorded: 12.46
